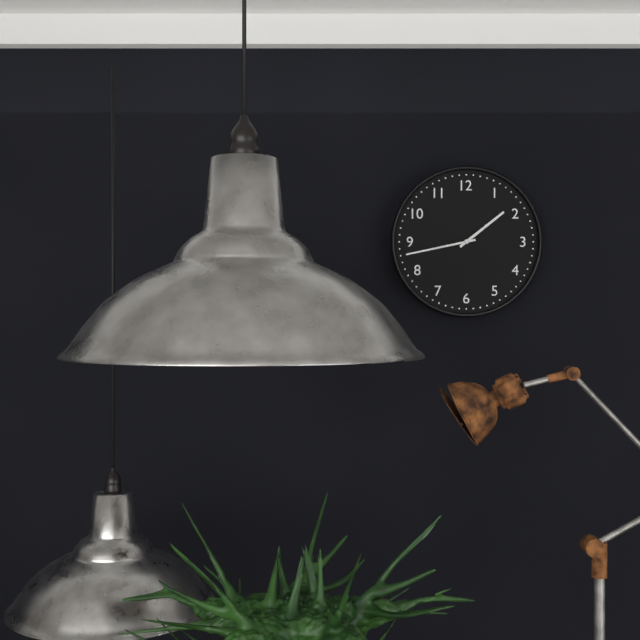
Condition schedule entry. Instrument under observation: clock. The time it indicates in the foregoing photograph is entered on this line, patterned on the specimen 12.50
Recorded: 1.43
